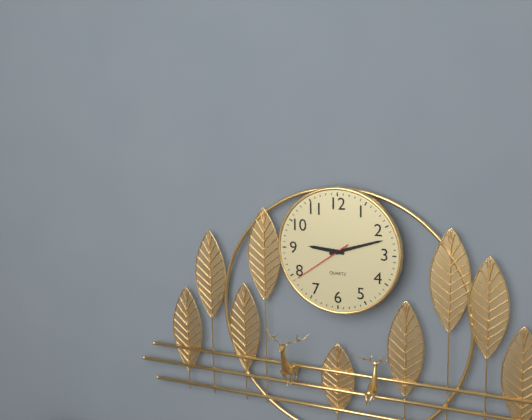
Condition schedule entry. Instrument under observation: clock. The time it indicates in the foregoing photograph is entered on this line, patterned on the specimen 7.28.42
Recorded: 9.12.39
